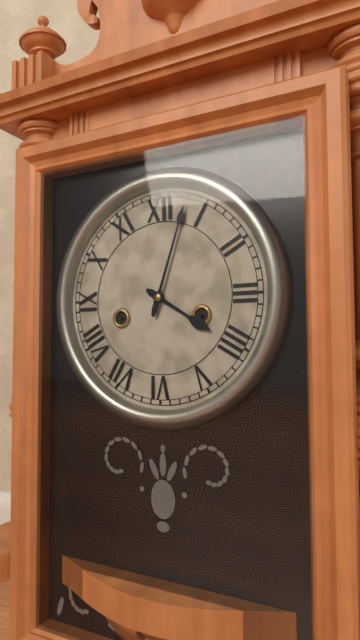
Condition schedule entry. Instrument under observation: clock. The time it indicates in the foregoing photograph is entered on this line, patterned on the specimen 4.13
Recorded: 4.03
